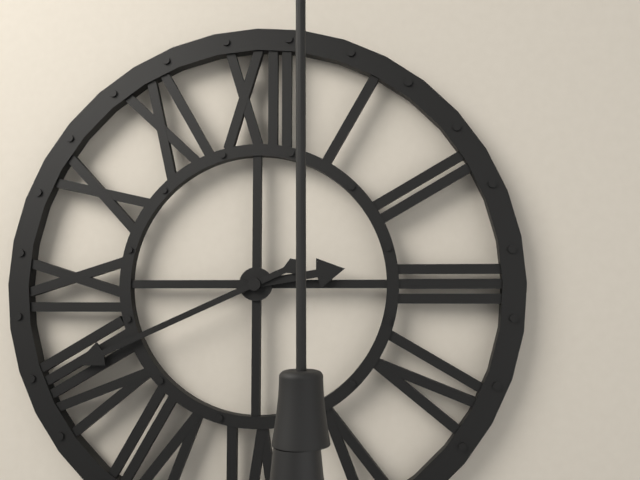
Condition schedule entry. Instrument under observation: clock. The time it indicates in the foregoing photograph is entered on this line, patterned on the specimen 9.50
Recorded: 2.41
